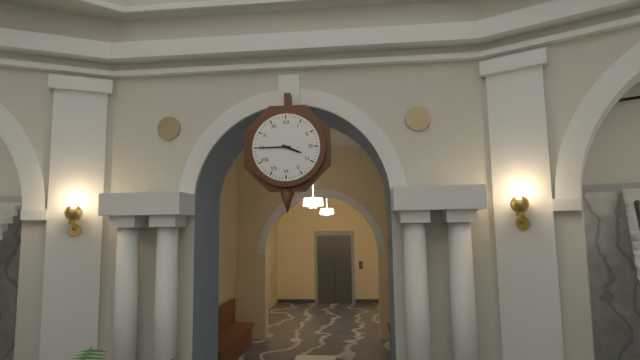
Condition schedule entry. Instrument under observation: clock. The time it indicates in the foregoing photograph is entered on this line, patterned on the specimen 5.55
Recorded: 3.45
